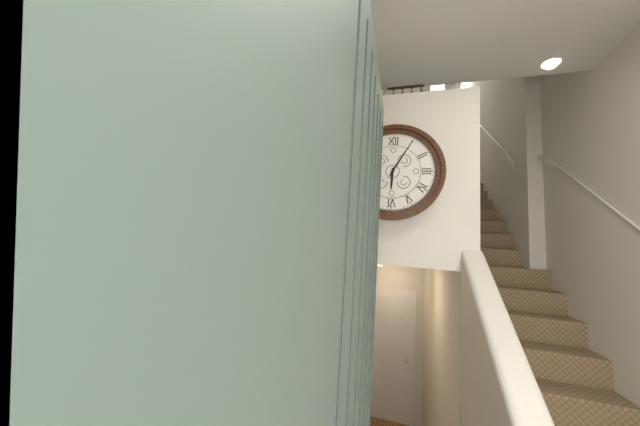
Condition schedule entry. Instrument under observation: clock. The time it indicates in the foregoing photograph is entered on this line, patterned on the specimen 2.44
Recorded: 6.05
